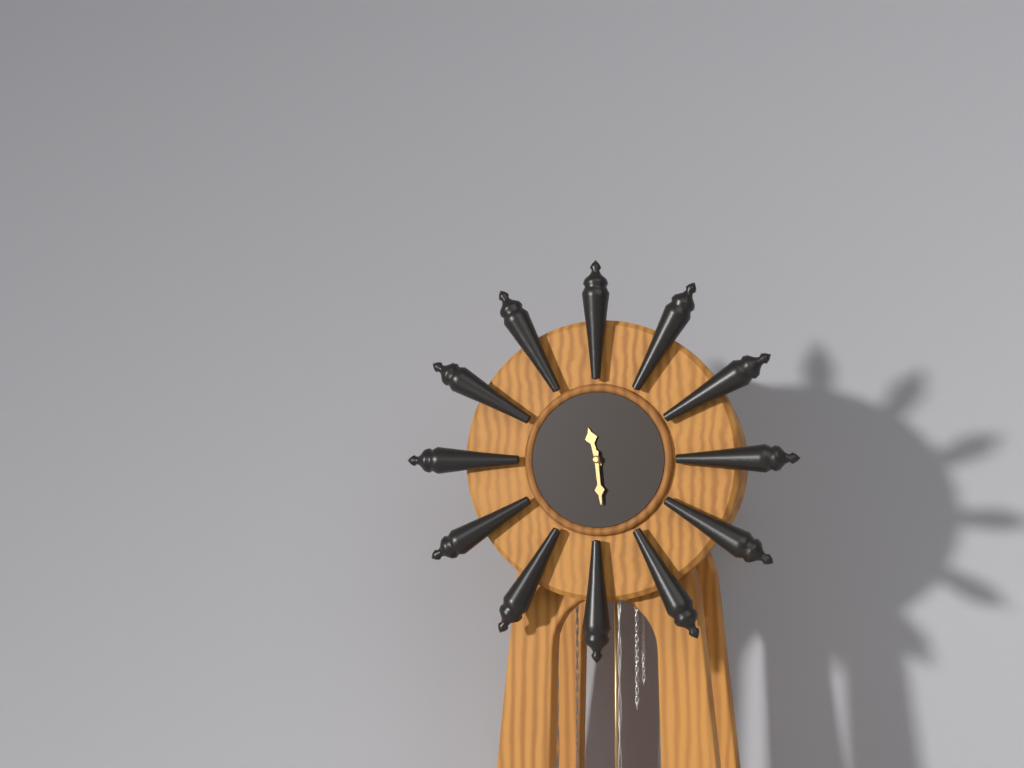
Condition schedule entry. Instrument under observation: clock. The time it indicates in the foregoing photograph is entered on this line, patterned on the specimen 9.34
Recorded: 11.29
